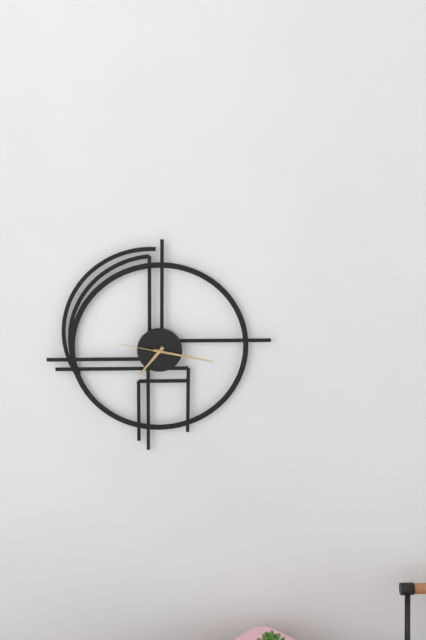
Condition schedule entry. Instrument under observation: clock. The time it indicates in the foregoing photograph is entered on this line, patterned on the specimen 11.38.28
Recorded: 7.17.47
